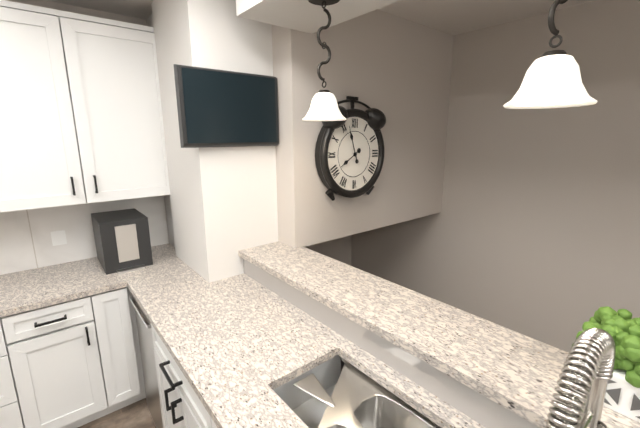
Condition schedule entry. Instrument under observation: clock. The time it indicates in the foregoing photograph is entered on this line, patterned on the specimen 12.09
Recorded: 7.57
